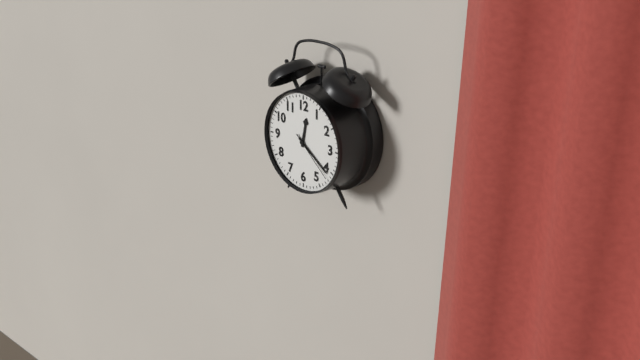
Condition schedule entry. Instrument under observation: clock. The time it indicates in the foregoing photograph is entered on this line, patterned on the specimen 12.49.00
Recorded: 12.21.22
